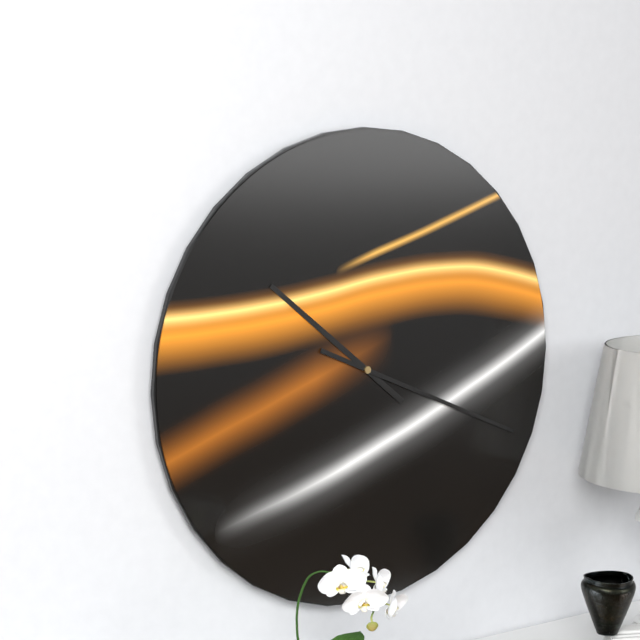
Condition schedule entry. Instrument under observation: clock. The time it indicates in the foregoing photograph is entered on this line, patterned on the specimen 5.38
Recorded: 10.19
